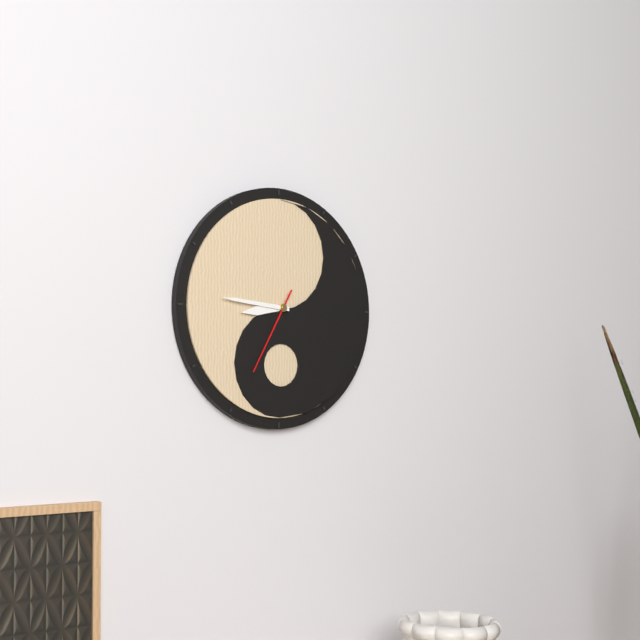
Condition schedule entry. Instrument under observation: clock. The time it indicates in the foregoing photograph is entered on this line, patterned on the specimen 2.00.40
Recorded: 8.46.35
